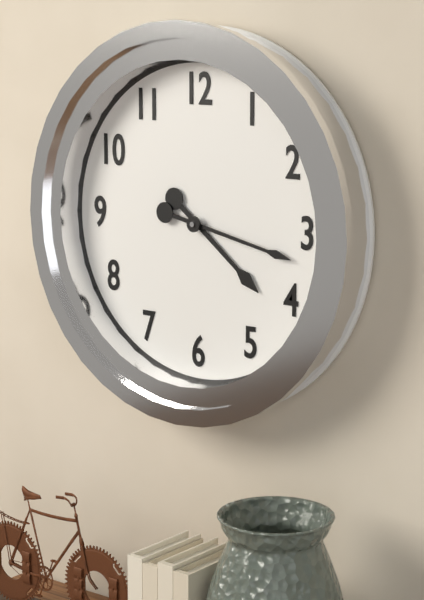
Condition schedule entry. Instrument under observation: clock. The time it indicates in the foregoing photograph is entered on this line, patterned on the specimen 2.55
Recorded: 4.17
